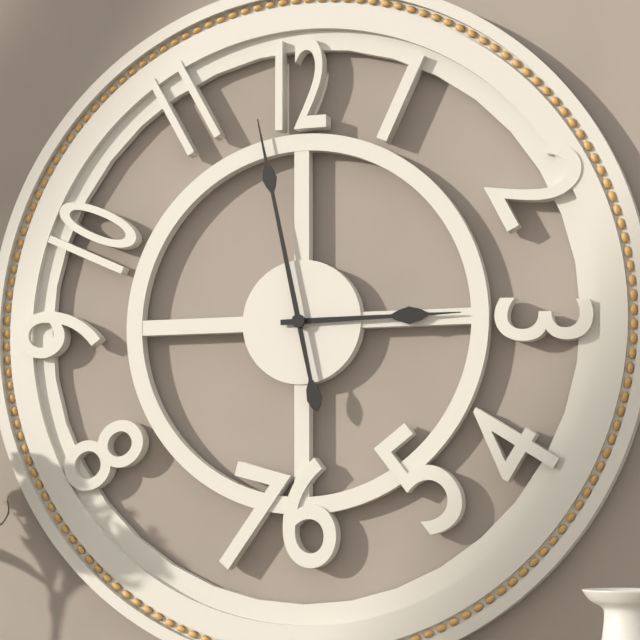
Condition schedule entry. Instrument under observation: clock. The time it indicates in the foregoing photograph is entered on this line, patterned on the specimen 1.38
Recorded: 2.58
